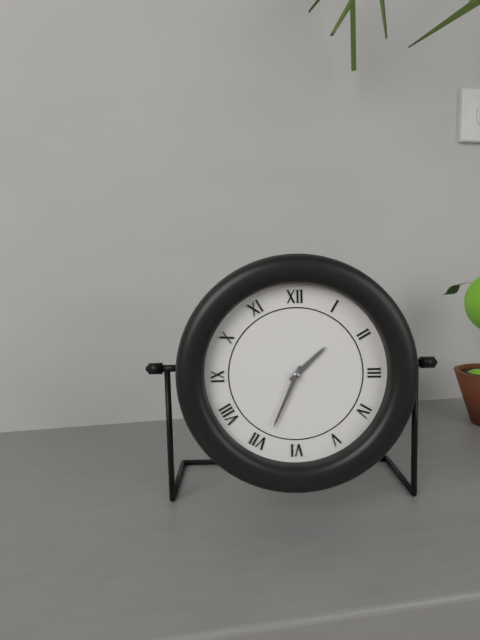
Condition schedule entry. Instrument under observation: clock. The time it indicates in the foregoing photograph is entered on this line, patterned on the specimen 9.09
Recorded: 1.34
